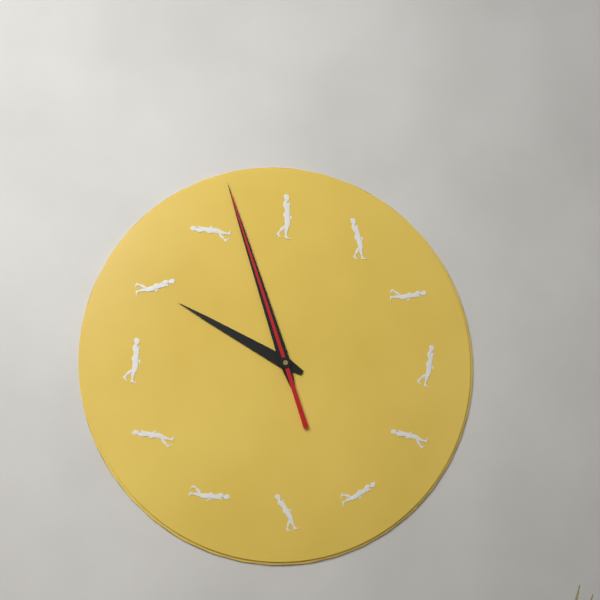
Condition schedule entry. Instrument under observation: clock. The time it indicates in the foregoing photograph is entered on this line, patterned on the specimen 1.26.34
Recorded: 9.57.57
